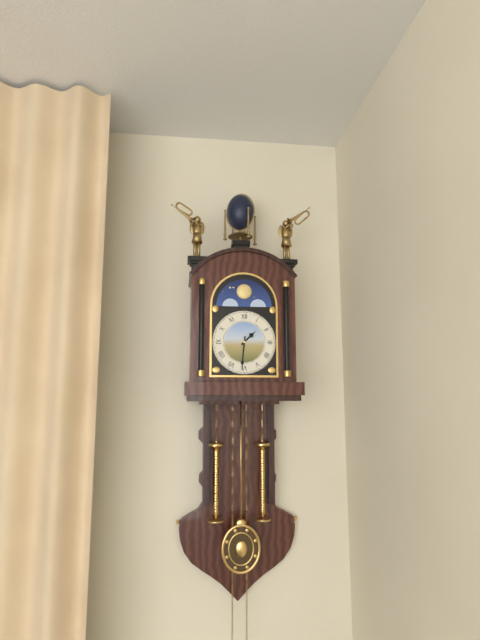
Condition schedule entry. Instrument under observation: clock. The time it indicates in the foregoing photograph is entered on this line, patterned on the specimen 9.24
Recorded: 1.31
